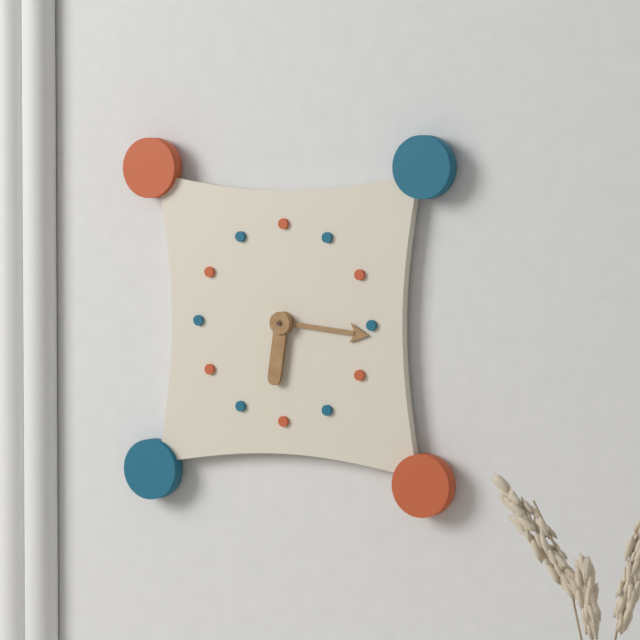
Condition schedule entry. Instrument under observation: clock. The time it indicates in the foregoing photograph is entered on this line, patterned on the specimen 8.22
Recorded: 6.16
